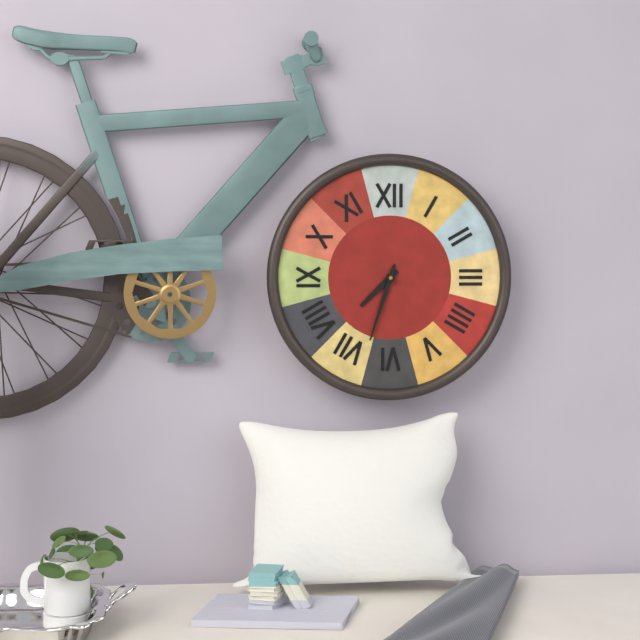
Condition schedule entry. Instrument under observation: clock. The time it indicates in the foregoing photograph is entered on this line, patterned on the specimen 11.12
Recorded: 7.33
